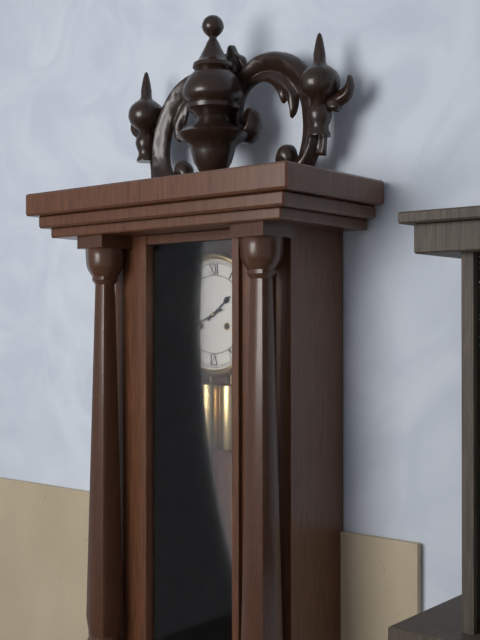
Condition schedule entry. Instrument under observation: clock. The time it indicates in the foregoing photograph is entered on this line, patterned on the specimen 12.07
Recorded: 1.41
